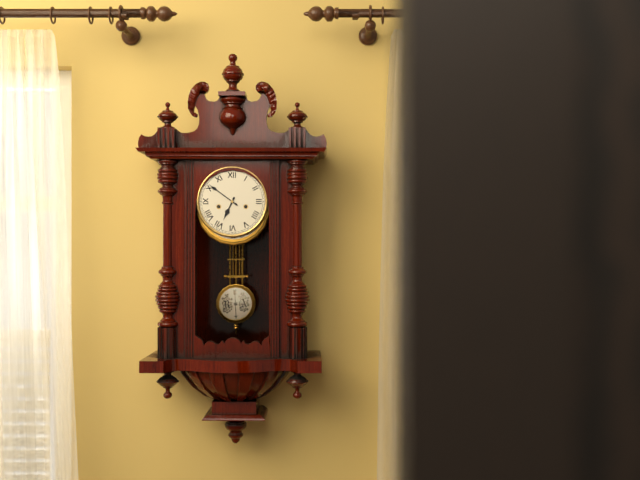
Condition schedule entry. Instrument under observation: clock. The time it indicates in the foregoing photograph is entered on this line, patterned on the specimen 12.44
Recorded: 6.51
